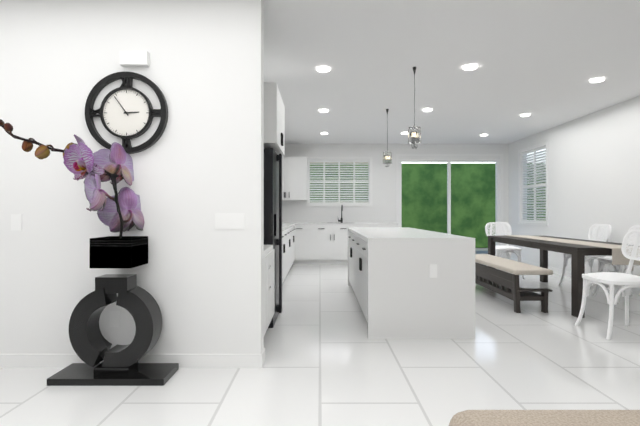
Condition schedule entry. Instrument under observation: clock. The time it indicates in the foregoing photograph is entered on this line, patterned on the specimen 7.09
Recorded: 2.54
